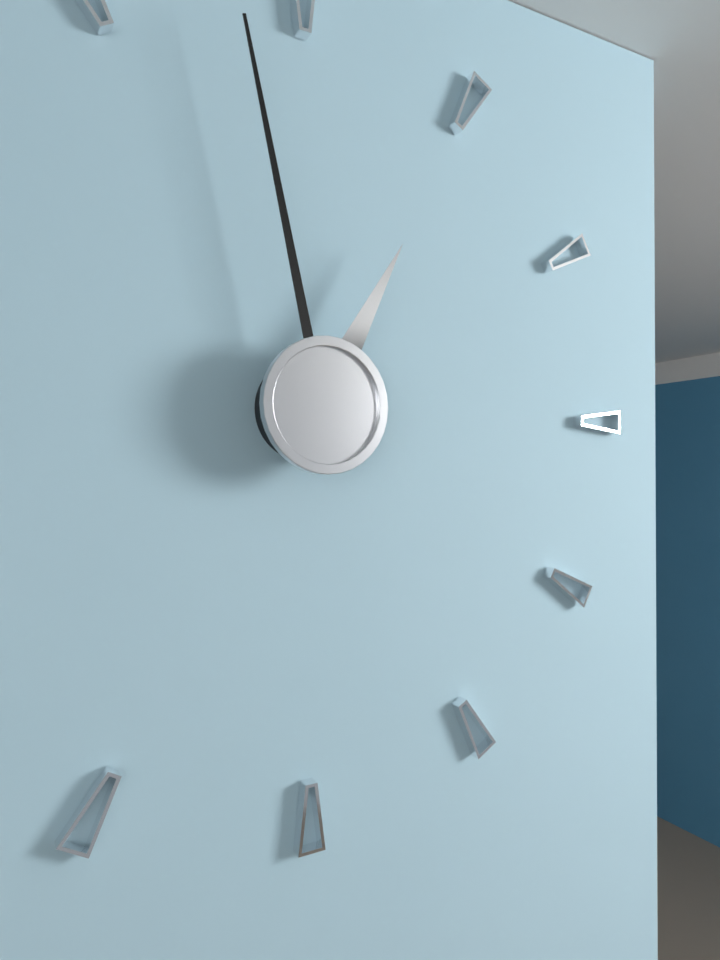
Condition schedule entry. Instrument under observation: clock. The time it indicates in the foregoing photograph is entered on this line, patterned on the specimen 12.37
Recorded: 12.58
